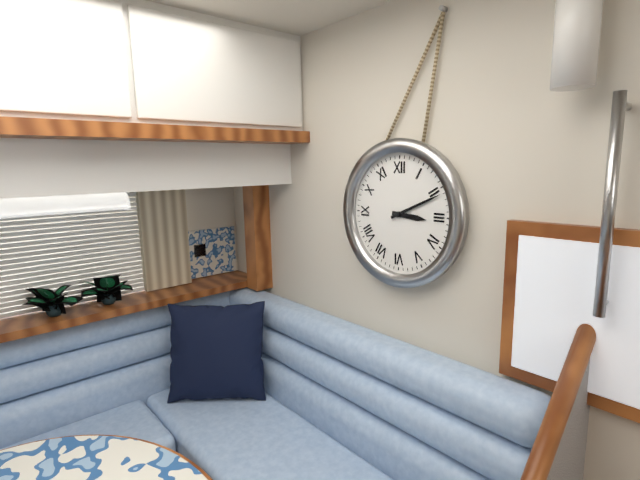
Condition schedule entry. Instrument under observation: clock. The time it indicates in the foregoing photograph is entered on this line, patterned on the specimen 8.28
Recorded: 3.11
